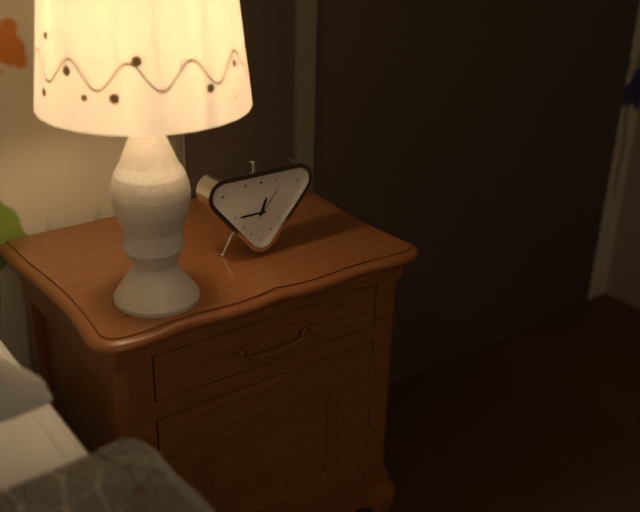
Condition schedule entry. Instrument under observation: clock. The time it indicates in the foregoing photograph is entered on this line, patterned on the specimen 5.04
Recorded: 12.45
